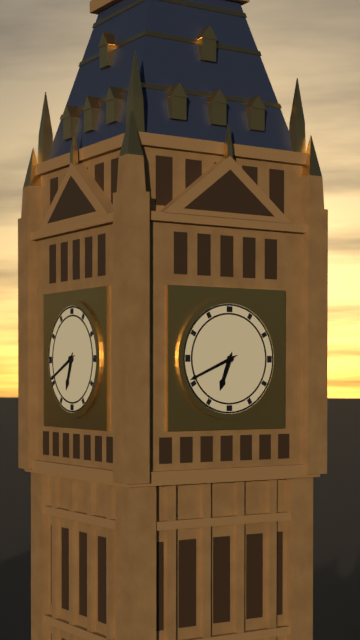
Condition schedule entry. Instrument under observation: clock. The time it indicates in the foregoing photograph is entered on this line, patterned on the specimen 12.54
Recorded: 6.41
